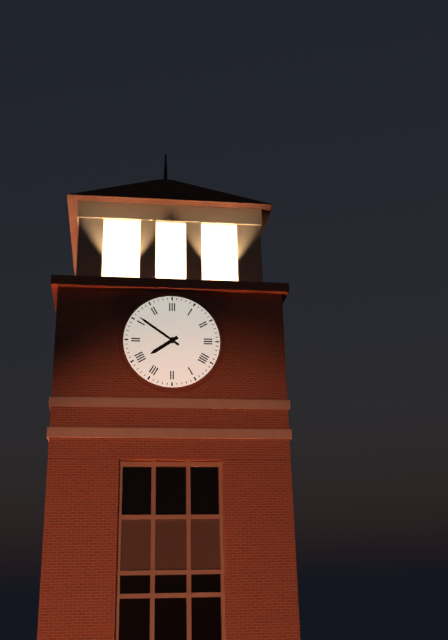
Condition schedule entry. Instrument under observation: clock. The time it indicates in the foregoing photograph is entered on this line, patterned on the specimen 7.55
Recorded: 7.51
